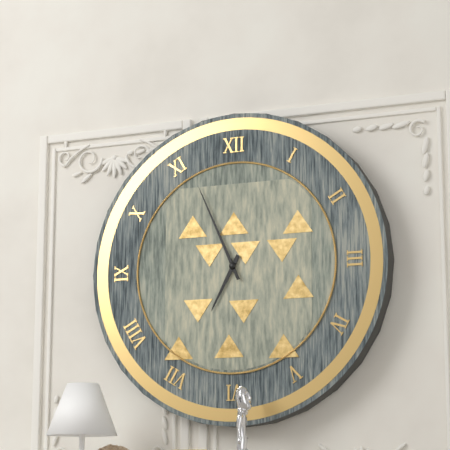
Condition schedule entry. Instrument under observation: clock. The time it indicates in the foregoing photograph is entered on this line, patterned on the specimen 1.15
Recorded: 6.56
